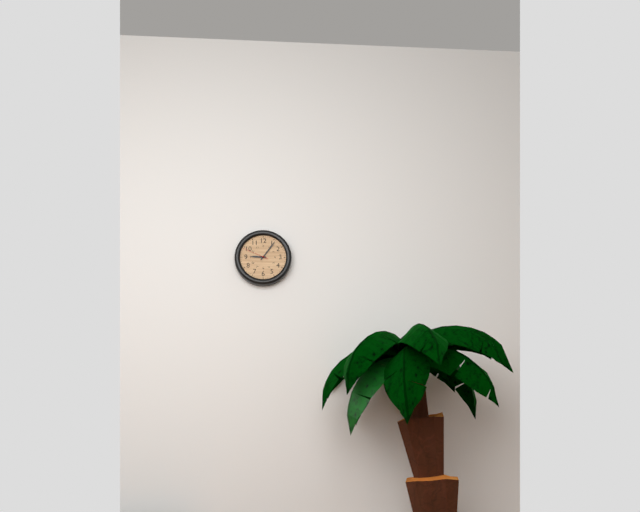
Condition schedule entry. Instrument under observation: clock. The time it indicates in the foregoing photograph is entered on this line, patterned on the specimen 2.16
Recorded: 9.06
